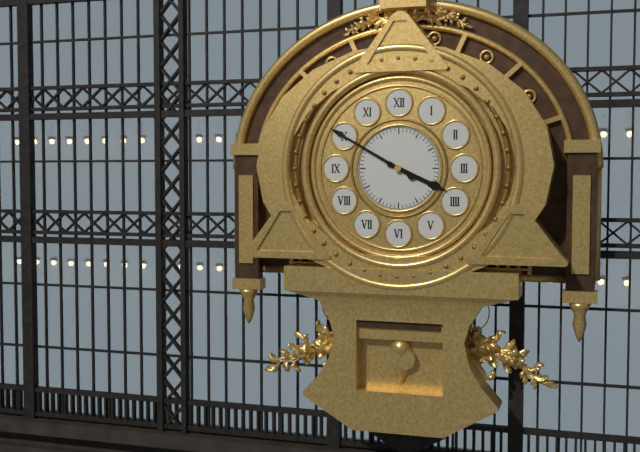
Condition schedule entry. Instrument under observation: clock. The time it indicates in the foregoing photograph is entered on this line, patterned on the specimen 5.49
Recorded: 3.50
